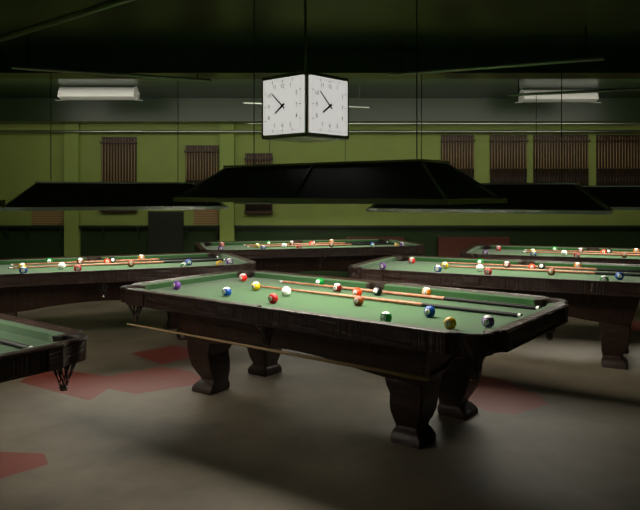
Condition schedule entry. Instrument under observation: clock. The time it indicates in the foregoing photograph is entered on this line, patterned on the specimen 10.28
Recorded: 7.52
